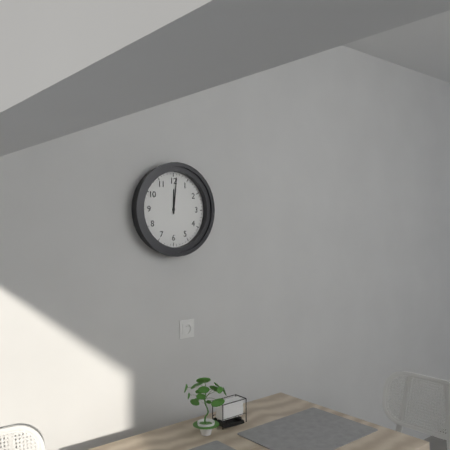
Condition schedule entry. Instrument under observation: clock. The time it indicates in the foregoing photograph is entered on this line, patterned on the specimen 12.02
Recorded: 12.01
